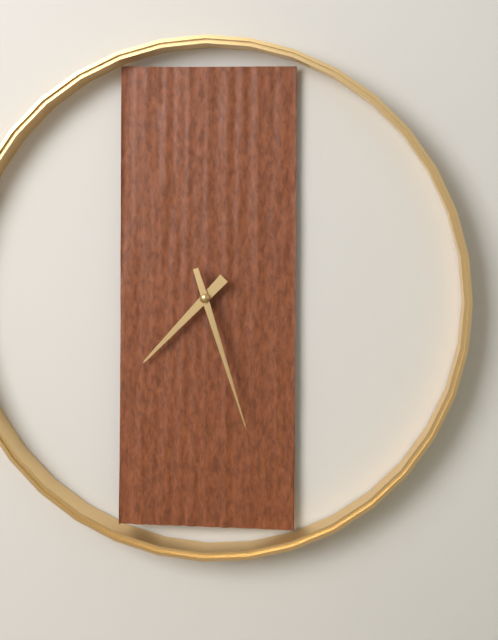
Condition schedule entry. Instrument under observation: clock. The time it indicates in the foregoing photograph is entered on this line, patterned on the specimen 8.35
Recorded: 7.27
